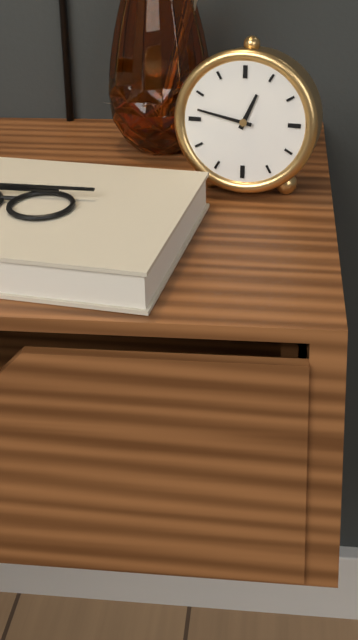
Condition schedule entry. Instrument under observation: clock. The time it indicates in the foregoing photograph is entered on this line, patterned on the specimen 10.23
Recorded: 12.47
